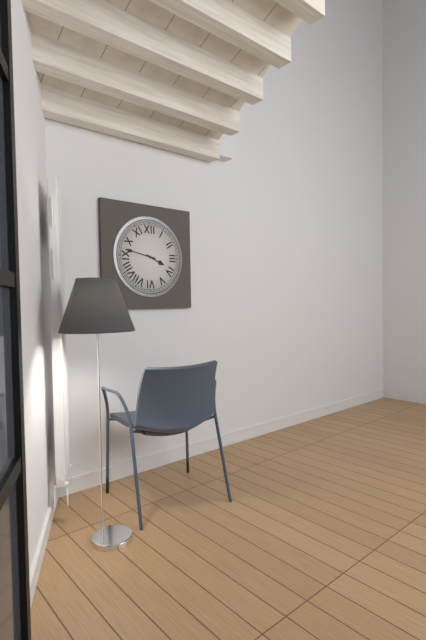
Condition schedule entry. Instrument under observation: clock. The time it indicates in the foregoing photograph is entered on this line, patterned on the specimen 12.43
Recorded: 3.47
